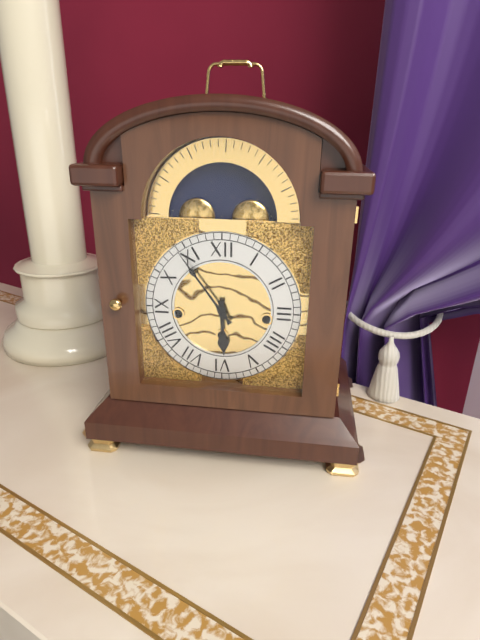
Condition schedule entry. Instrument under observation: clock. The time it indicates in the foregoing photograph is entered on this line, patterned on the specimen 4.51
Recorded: 5.54
